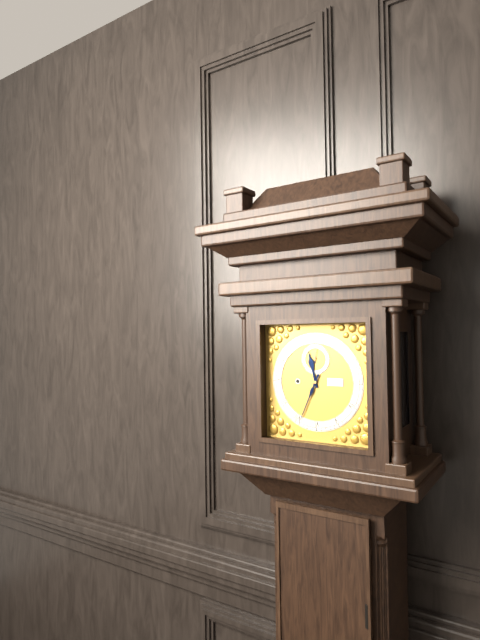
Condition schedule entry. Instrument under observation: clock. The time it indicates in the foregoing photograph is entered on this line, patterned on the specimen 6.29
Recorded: 11.34
